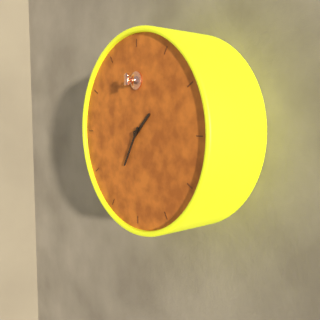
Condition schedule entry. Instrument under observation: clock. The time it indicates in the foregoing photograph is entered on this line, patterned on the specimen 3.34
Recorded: 1.35
